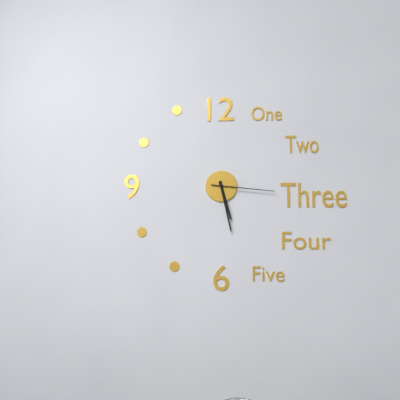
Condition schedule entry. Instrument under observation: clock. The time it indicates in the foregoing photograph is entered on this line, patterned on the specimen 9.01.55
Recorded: 5.28.16
